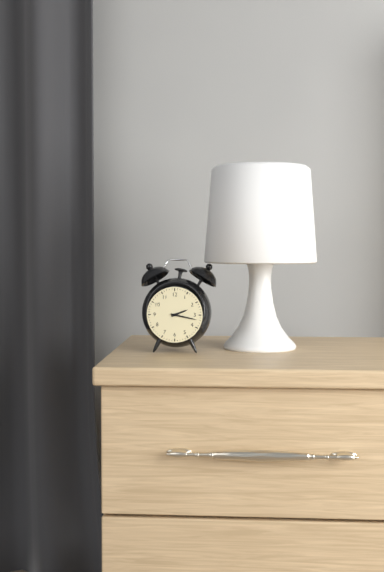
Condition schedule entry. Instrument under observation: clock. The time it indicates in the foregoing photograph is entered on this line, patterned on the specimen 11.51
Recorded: 2.17
